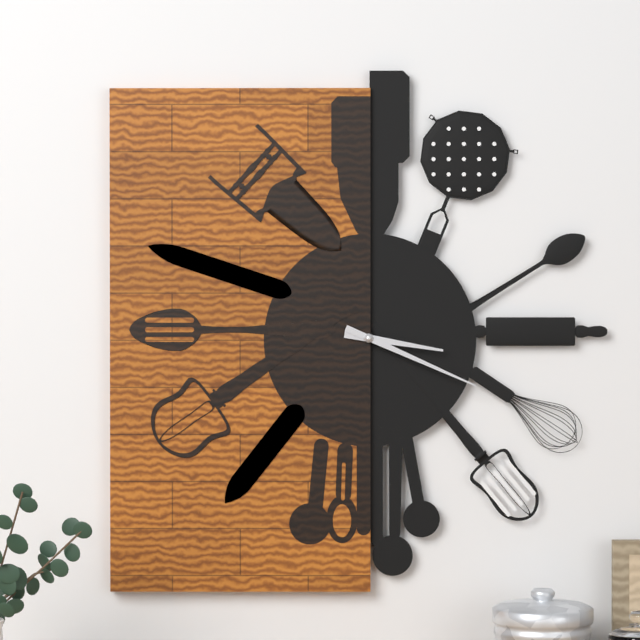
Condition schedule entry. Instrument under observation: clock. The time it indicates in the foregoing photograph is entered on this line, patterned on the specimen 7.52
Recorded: 3.19
